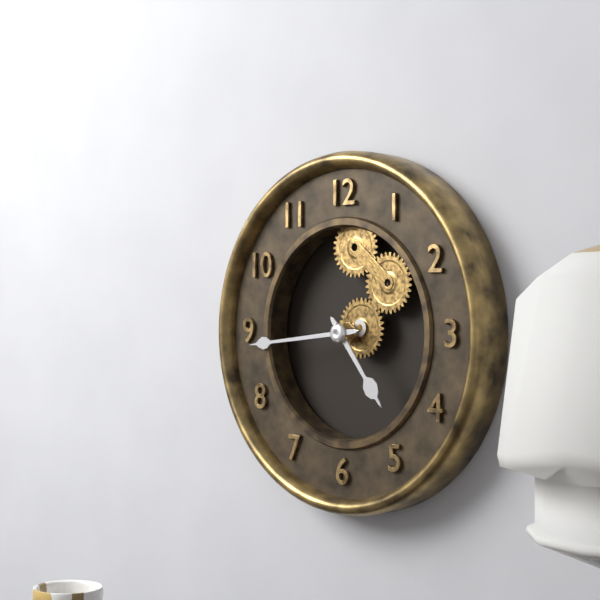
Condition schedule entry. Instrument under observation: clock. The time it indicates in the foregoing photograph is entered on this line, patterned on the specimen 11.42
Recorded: 4.44
